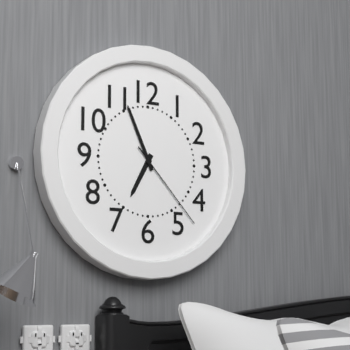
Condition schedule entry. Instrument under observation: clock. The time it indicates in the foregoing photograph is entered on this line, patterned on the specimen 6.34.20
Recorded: 6.56.23
